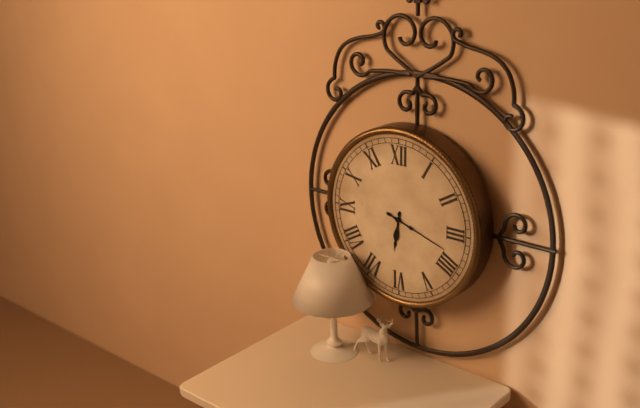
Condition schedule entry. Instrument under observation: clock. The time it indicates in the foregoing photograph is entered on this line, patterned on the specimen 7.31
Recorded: 6.18
